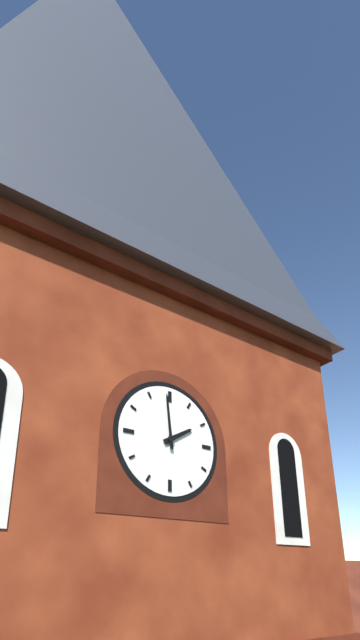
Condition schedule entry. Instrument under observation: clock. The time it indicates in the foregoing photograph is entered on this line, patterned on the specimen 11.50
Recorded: 1.59
